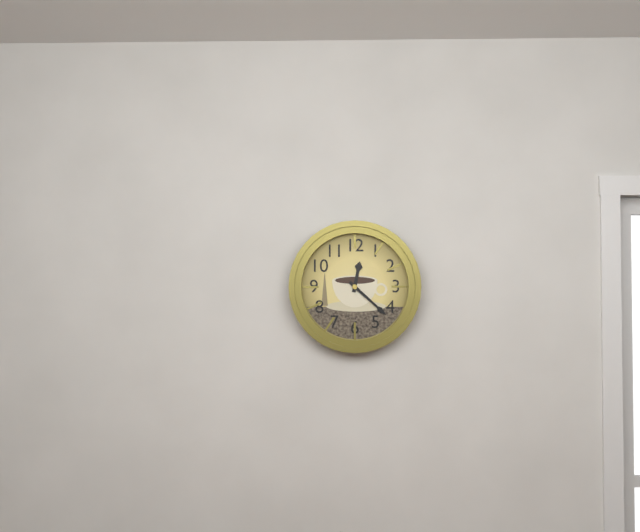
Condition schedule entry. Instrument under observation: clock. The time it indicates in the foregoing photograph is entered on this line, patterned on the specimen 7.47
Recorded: 12.22
